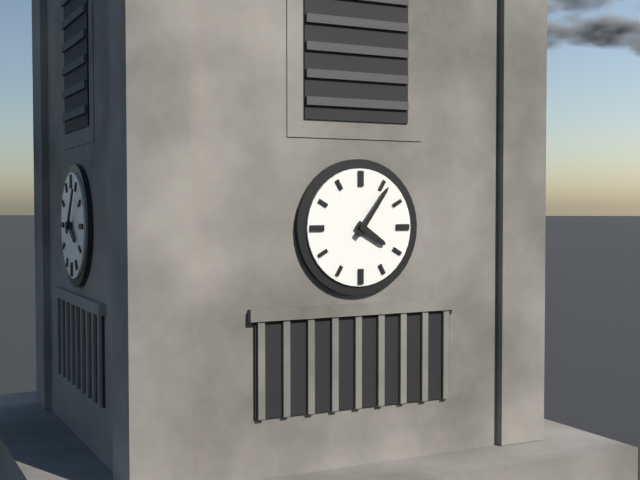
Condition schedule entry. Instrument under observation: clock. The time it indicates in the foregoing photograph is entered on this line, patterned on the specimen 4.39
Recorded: 4.06
